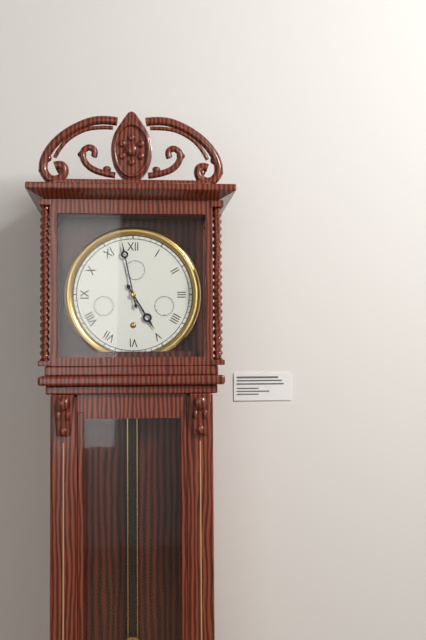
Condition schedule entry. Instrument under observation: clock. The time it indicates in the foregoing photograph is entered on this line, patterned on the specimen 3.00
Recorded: 4.58
